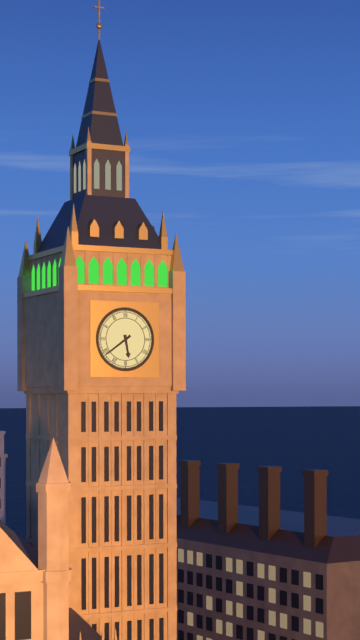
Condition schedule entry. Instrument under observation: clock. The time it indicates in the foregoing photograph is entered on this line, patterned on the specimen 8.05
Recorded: 5.39
